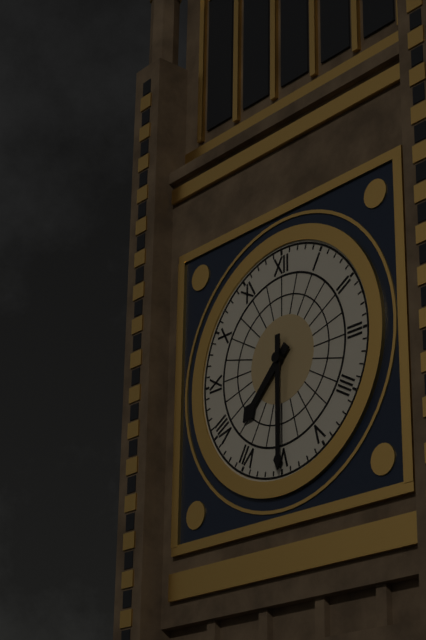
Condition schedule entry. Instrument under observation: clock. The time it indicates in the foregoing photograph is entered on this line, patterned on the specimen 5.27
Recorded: 7.30
